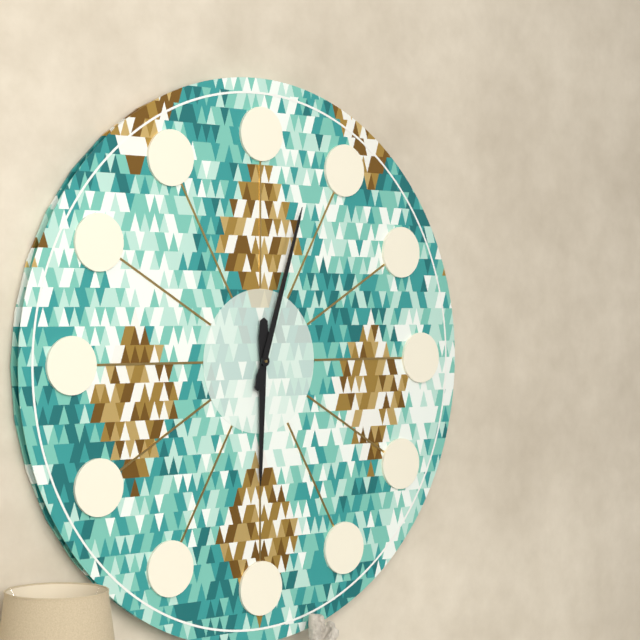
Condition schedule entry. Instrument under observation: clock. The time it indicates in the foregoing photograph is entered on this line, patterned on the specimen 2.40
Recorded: 6.03
